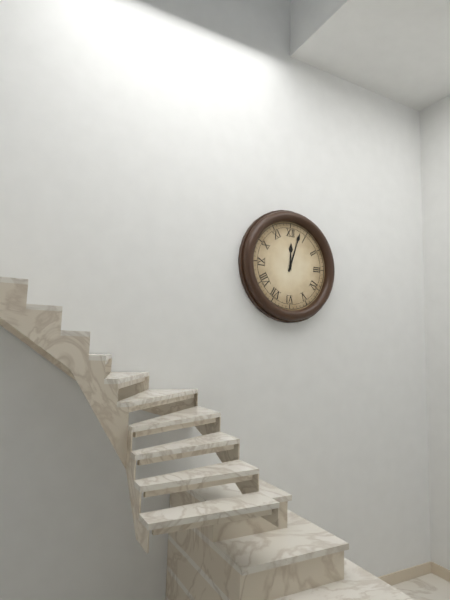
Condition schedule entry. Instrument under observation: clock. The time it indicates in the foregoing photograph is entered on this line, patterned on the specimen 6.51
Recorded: 12.03
